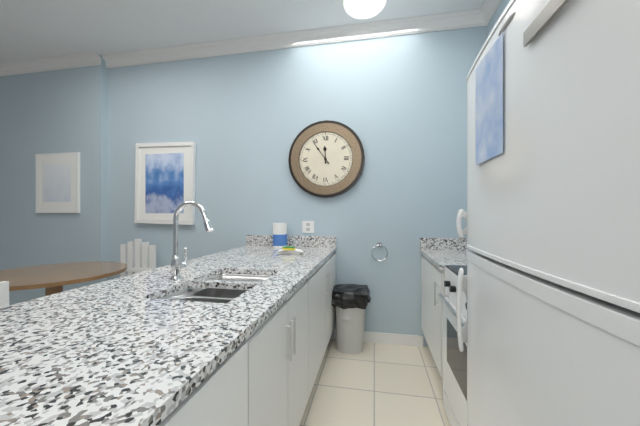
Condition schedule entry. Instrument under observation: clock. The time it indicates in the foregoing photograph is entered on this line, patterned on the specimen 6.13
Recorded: 11.54
